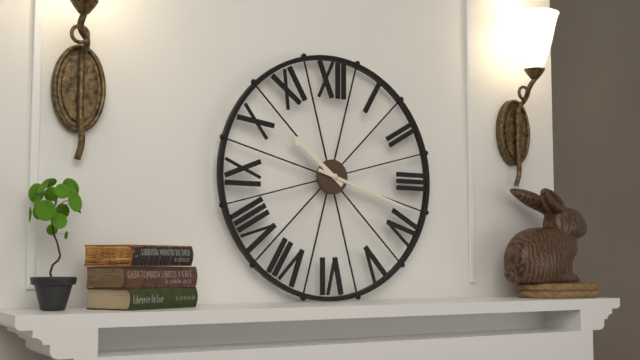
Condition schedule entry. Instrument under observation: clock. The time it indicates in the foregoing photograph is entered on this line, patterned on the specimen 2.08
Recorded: 10.18
